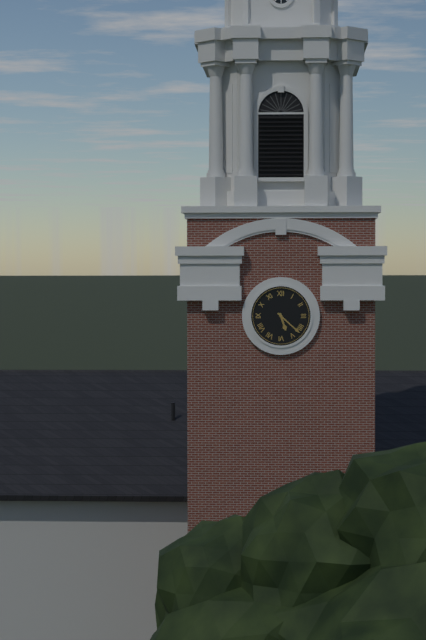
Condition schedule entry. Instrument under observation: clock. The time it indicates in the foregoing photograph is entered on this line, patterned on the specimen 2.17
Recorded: 5.22
